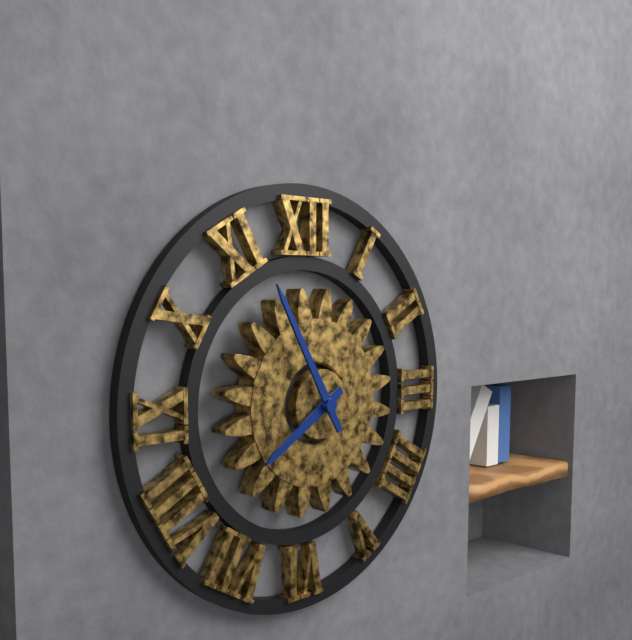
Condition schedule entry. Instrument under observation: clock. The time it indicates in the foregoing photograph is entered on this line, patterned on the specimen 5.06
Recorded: 7.55
